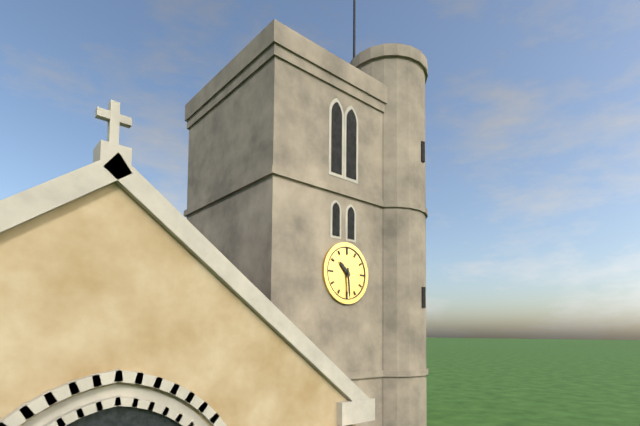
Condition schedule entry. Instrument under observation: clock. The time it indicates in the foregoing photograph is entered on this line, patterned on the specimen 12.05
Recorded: 10.29
